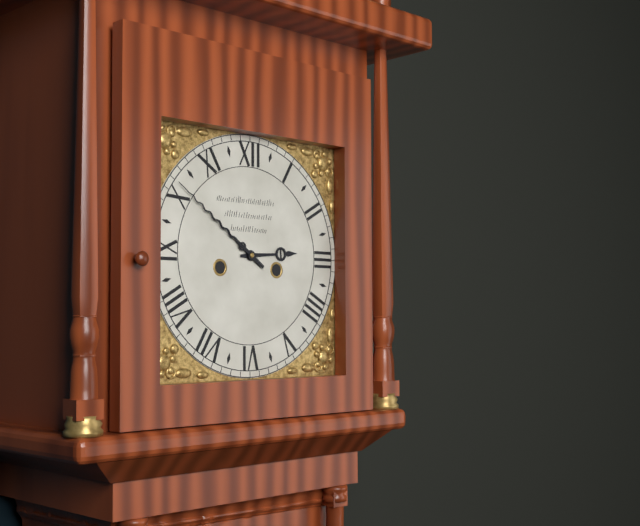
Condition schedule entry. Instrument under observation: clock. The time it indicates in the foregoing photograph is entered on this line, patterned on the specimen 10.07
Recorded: 2.51
